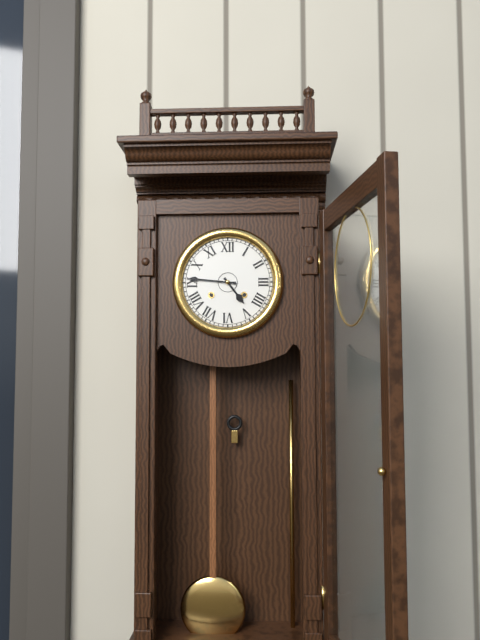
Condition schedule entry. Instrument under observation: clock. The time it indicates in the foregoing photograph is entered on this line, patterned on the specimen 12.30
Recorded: 4.46
